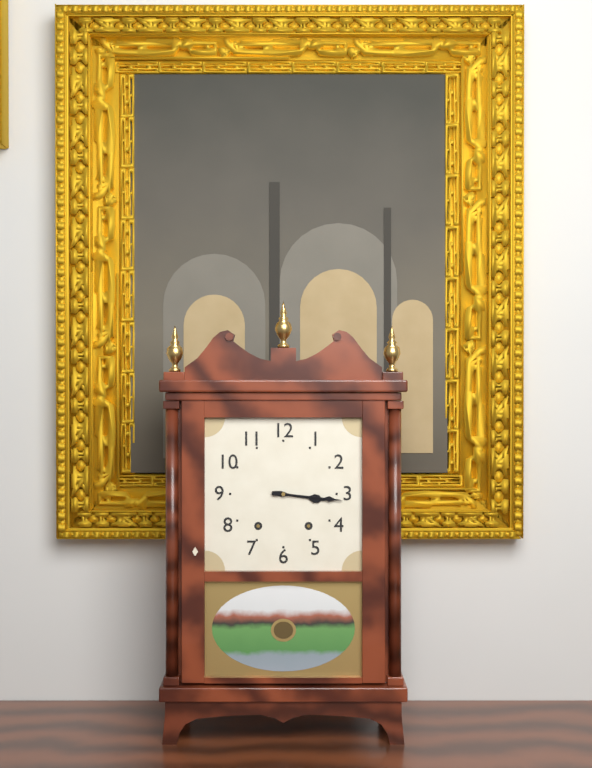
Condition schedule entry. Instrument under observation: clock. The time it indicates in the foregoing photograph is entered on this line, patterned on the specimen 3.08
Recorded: 3.16
